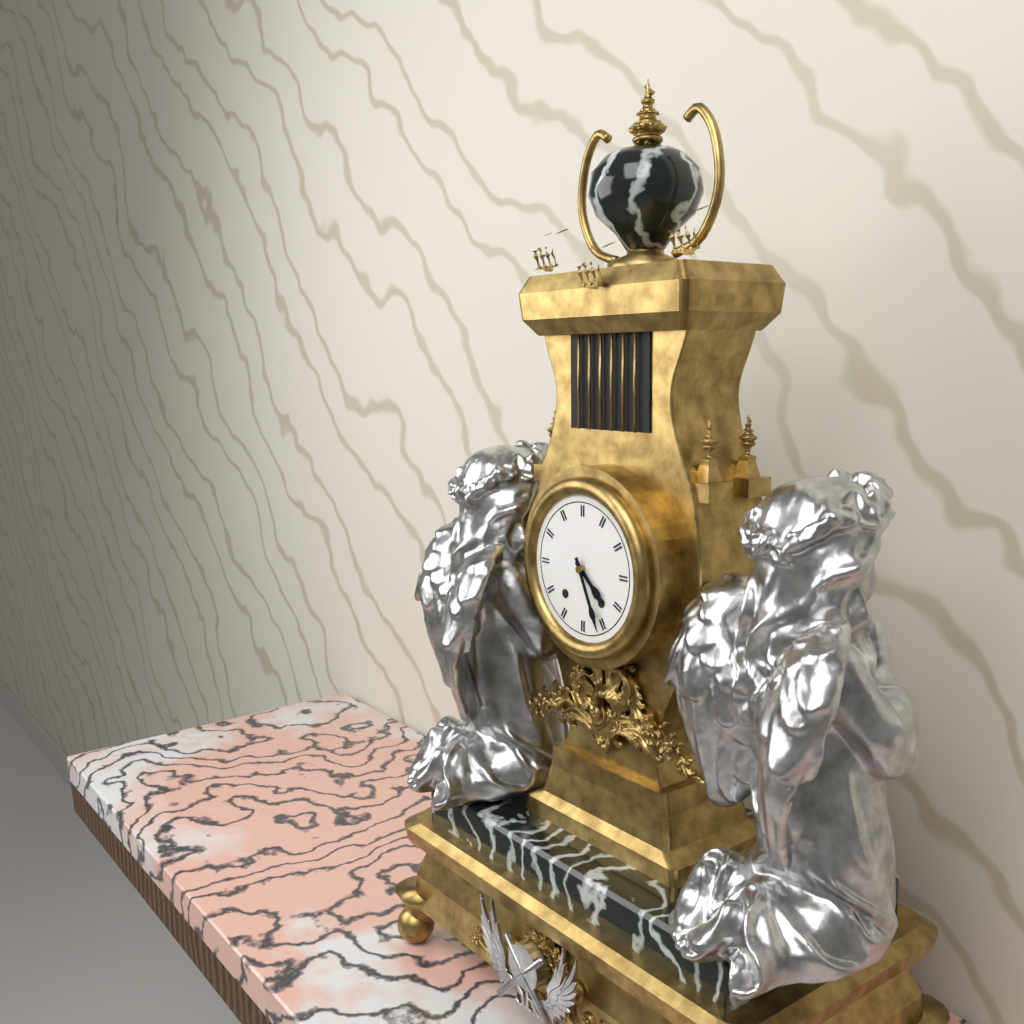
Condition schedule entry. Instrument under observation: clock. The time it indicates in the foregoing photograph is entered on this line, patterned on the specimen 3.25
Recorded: 4.26
